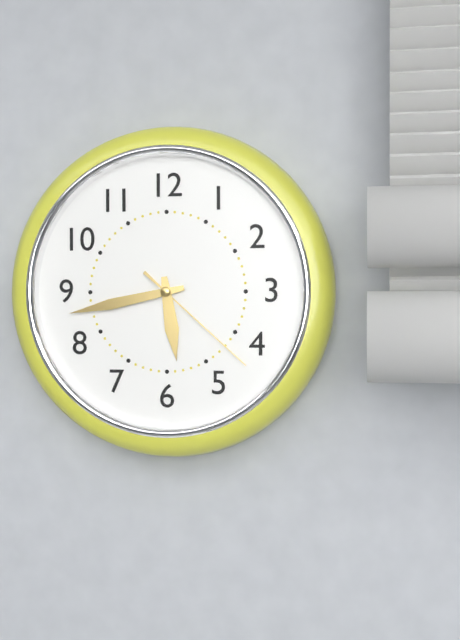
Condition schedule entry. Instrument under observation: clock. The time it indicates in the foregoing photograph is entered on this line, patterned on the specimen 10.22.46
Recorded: 5.43.22
